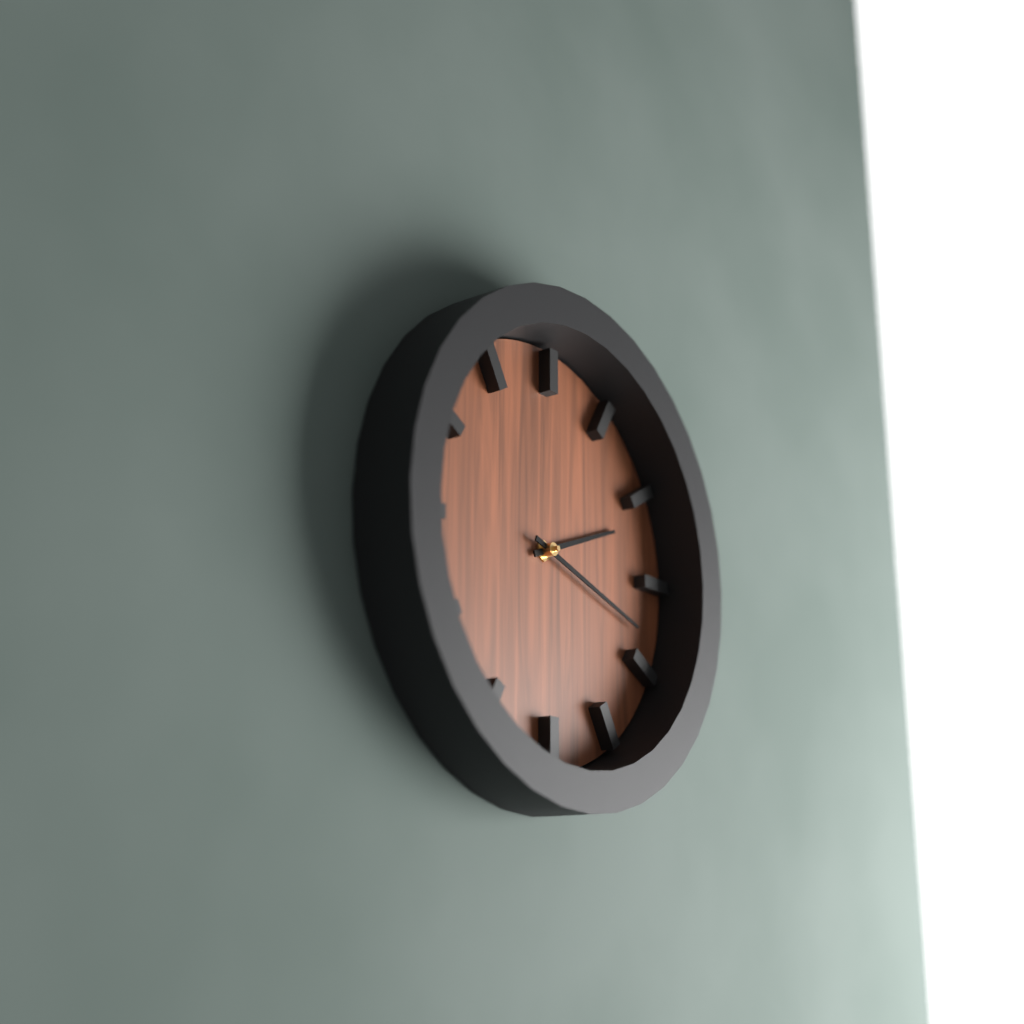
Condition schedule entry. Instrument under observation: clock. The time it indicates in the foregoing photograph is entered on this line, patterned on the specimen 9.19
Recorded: 2.18
